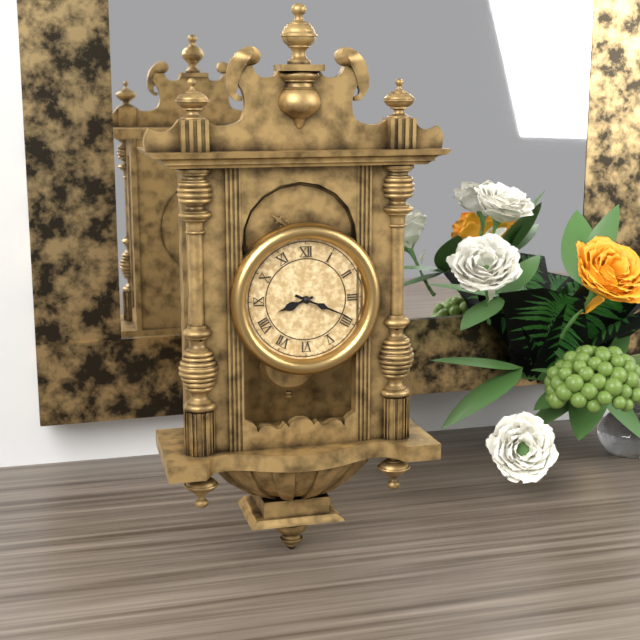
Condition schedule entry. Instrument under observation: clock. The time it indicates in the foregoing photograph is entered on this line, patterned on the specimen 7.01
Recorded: 8.19
